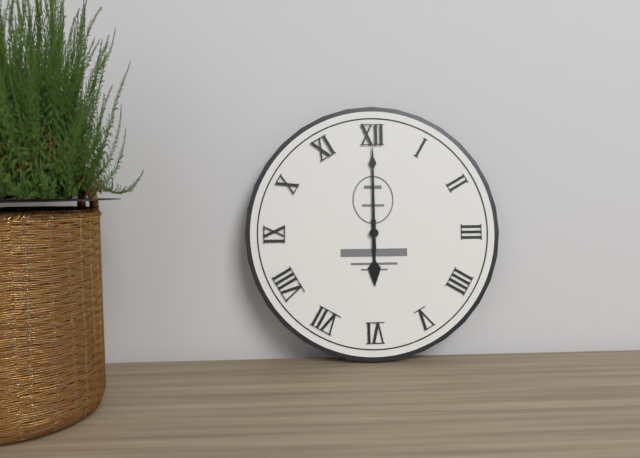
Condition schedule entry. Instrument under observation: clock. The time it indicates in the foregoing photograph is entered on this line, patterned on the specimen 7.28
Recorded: 6.00
